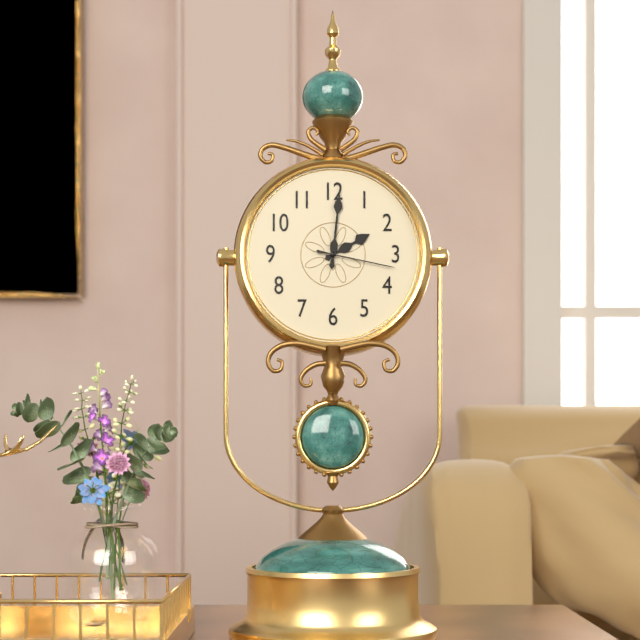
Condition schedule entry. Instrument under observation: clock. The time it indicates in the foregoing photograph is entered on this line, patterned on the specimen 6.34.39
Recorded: 2.01.17
